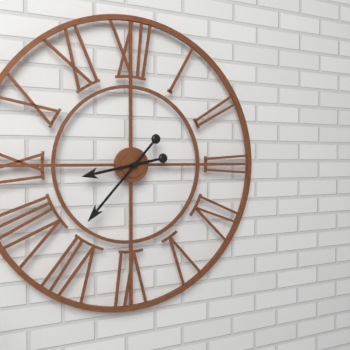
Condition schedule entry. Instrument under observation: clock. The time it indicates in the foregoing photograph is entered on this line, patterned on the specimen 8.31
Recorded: 8.37
